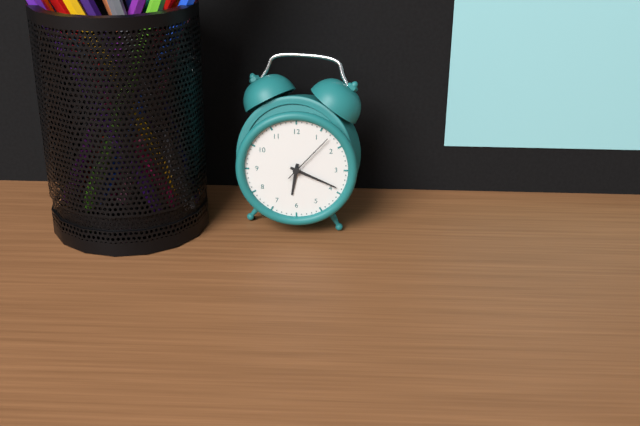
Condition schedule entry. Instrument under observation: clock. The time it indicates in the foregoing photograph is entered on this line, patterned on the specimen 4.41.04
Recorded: 6.19.07
